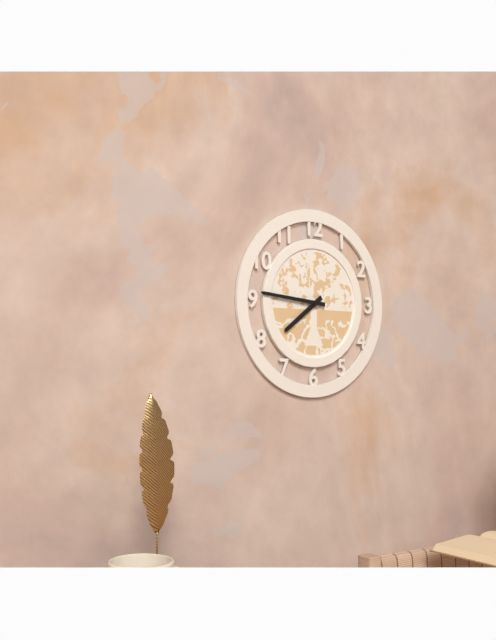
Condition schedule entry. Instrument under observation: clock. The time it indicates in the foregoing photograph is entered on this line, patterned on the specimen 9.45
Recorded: 7.46
